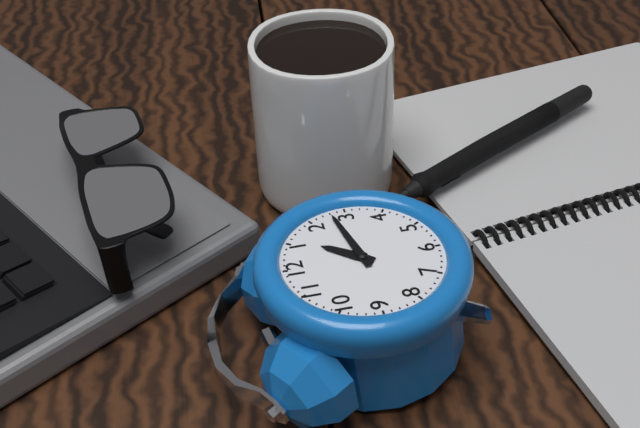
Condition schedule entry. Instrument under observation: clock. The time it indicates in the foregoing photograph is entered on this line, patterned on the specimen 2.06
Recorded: 1.13
